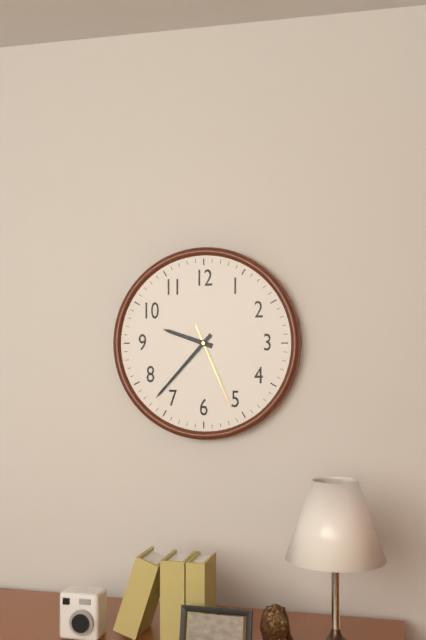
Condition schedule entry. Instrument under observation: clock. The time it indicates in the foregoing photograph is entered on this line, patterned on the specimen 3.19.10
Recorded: 9.37.26
